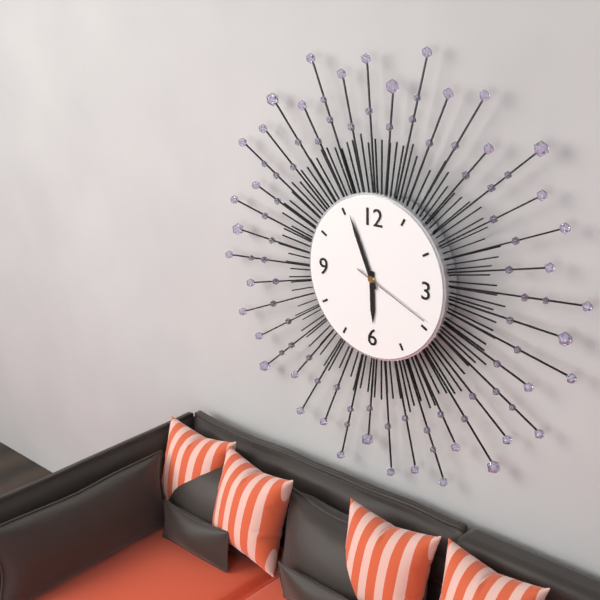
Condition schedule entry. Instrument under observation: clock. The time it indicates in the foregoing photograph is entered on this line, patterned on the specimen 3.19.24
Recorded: 5.56.19
